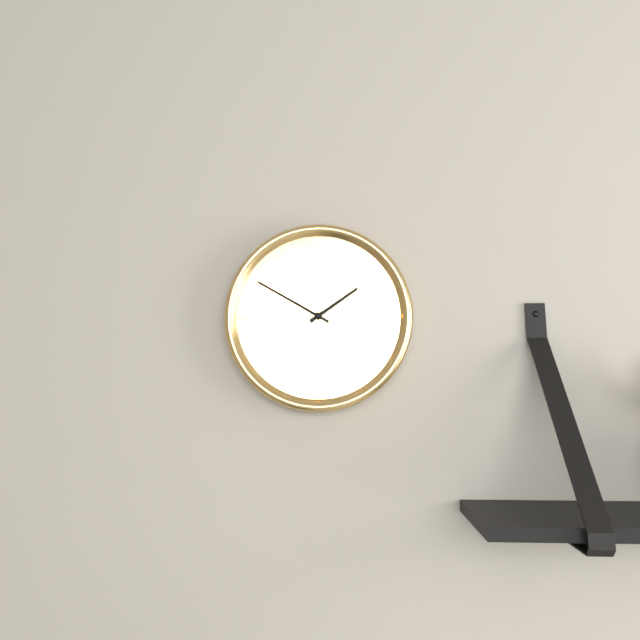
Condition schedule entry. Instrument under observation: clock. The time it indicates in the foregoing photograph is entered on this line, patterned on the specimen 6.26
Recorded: 1.50
